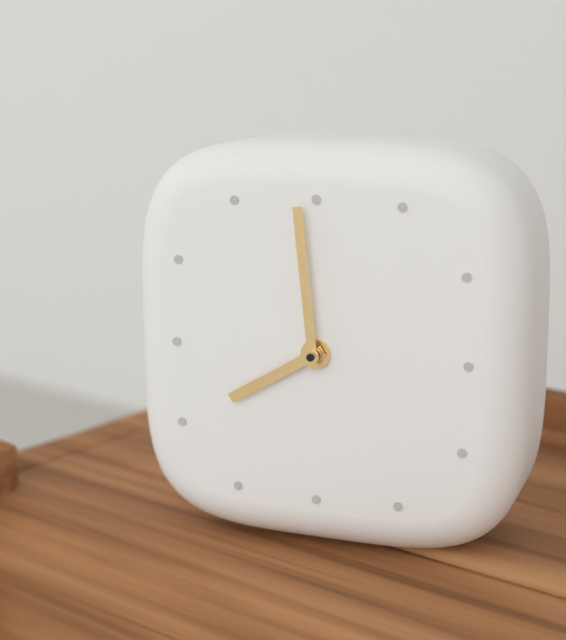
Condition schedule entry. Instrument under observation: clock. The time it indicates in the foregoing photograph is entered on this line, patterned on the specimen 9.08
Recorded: 7.59
